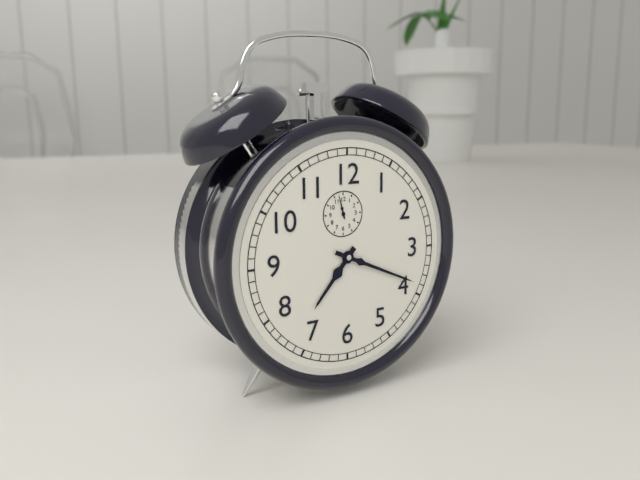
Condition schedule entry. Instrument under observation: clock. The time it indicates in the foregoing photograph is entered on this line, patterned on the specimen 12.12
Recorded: 7.19
